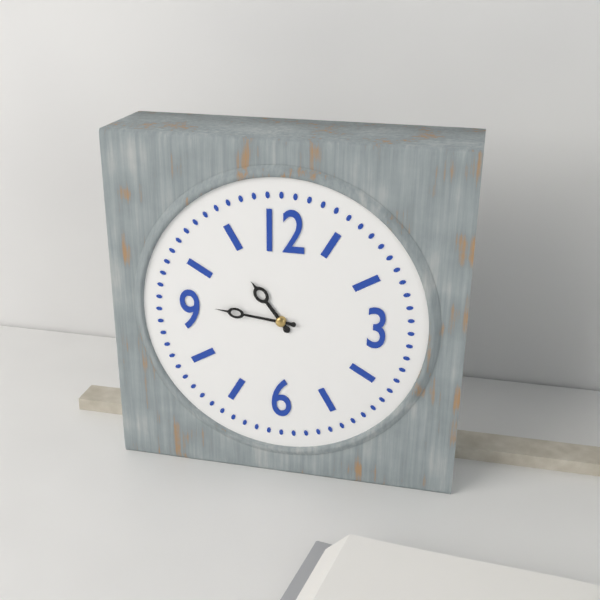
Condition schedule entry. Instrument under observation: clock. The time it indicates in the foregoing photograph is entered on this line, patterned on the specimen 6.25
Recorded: 10.46
